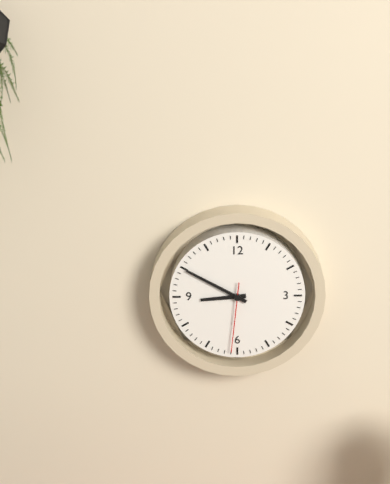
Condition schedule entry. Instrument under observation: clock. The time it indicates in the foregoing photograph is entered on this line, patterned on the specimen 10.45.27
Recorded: 8.50.31
